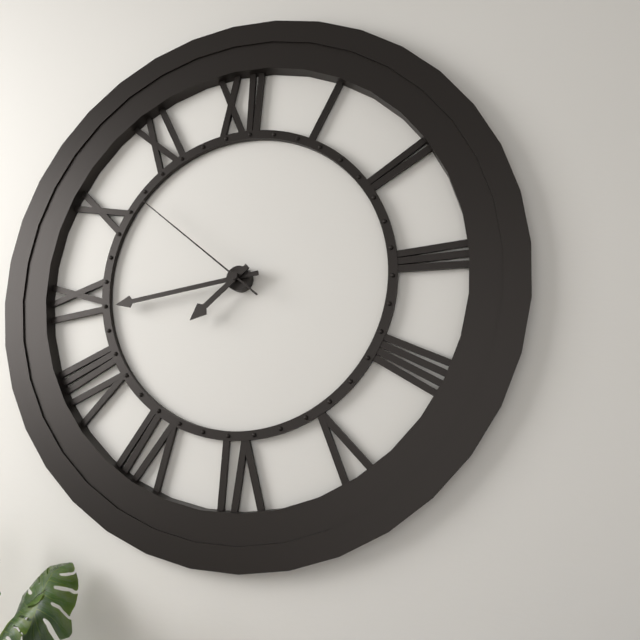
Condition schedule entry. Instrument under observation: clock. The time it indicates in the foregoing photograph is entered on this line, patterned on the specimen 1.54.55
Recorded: 7.44.52
